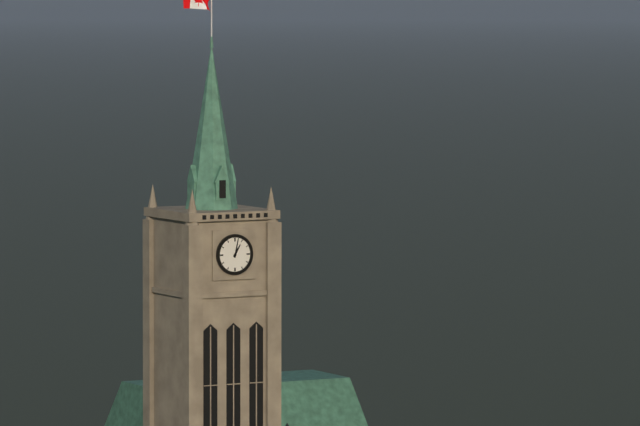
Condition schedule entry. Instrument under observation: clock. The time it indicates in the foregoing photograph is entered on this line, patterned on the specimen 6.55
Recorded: 1.02
